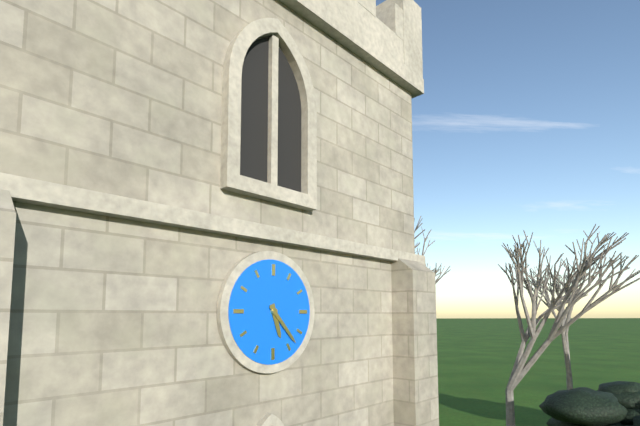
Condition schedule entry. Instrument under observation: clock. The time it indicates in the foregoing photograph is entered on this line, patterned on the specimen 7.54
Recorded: 5.23
